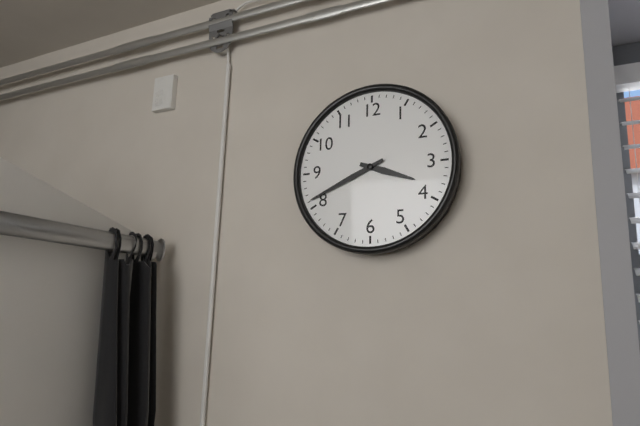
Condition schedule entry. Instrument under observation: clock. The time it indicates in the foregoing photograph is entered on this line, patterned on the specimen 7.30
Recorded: 3.41
